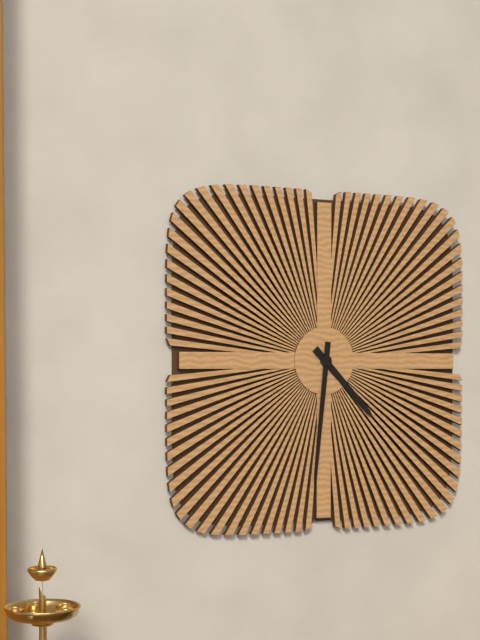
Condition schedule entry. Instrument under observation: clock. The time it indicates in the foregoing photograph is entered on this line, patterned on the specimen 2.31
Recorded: 4.31
